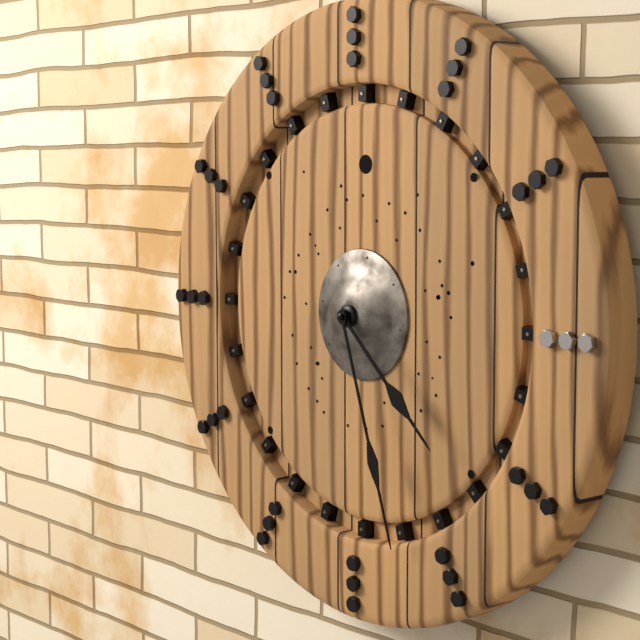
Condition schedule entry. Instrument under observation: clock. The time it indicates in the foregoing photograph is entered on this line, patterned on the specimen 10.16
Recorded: 4.27
